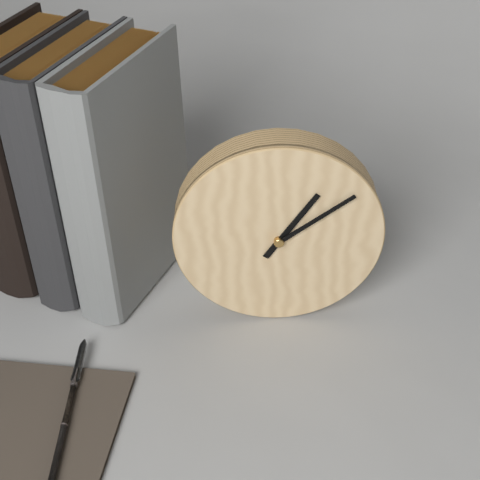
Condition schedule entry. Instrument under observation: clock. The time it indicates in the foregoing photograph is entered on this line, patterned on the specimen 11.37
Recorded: 1.09
